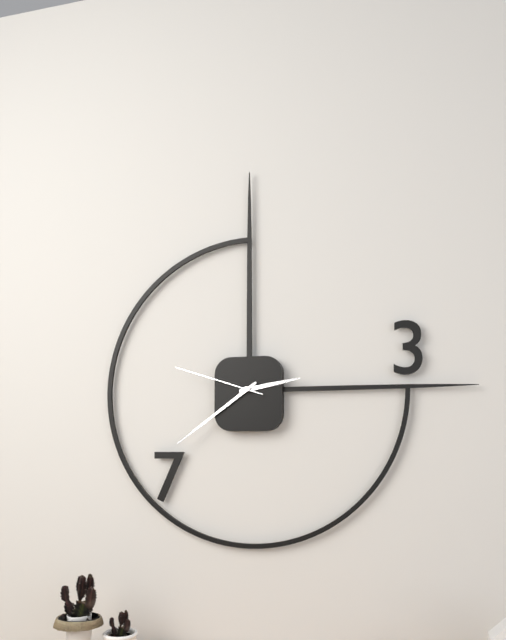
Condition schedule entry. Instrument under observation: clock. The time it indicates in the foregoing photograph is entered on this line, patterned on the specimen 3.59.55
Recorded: 2.39.48
